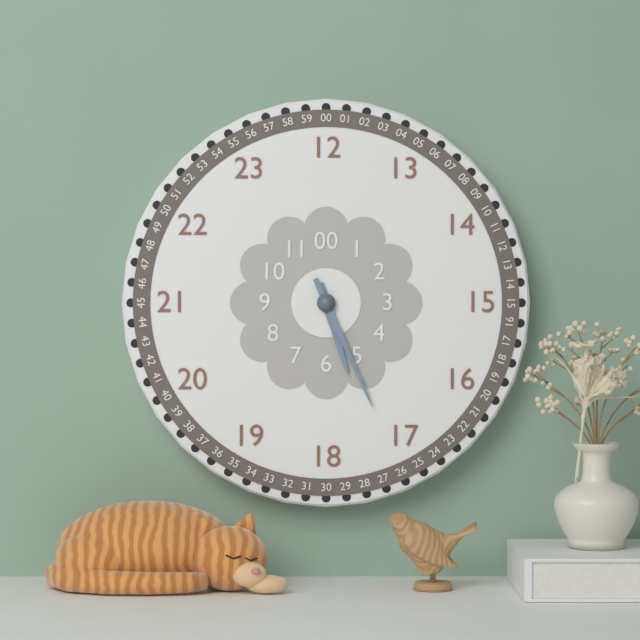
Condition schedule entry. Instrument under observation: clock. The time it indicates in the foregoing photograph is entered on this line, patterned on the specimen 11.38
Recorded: 5.26
